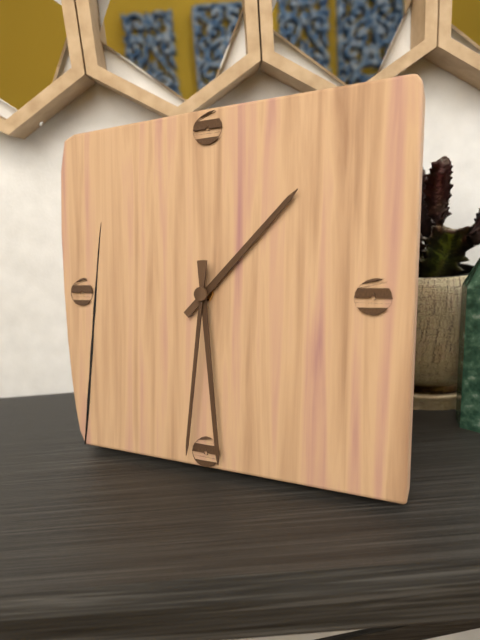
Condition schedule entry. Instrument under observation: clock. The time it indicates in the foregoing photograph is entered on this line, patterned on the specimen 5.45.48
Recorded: 1.29.31
